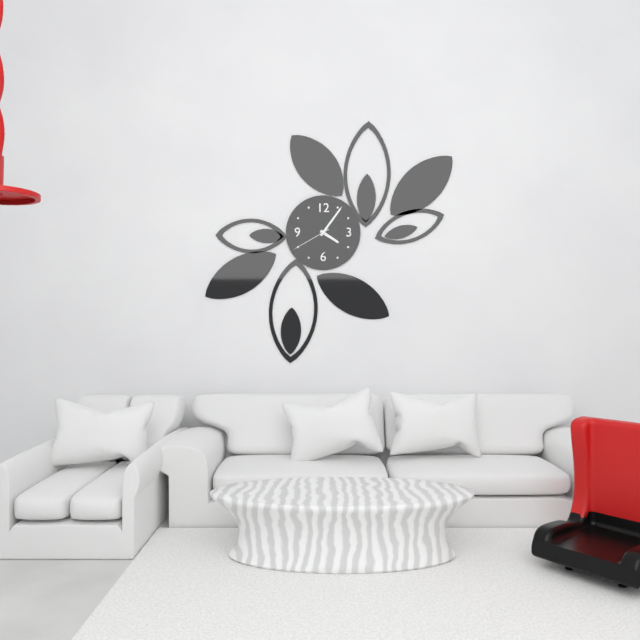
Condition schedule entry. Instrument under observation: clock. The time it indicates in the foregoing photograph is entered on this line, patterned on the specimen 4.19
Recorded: 4.06
